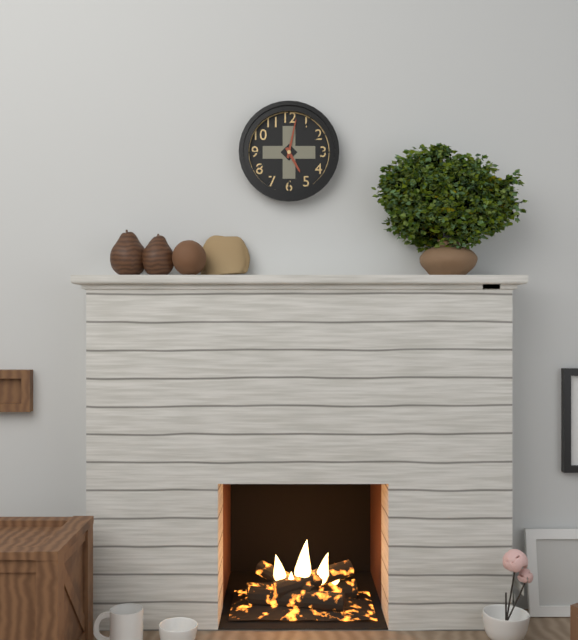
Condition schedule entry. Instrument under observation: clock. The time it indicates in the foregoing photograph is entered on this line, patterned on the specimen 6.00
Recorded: 5.02
